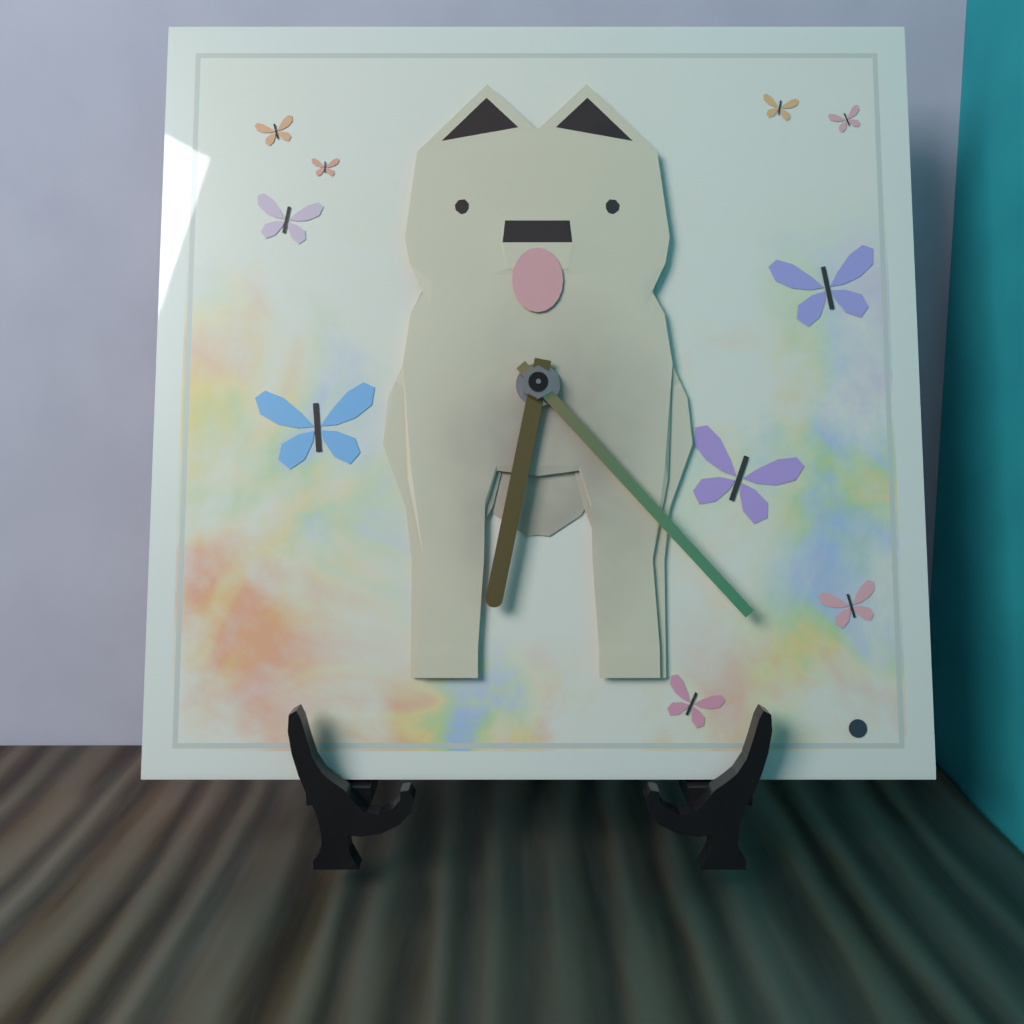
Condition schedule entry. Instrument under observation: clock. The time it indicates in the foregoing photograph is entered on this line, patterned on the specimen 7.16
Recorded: 6.23
